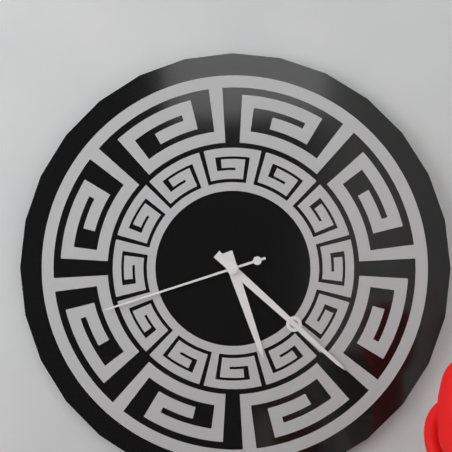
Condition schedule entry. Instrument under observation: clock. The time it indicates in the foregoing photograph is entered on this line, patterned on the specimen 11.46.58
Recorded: 5.22.42
